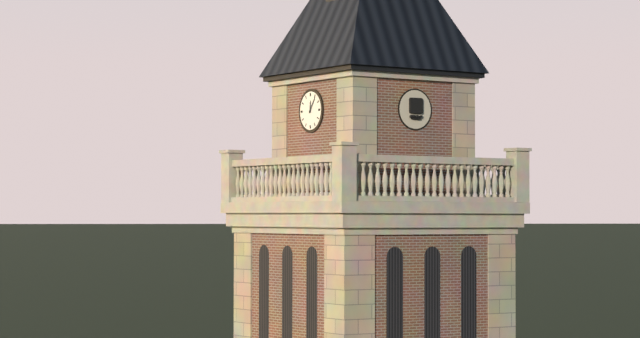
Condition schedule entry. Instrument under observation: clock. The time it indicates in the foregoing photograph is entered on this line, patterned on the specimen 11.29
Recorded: 12.06
